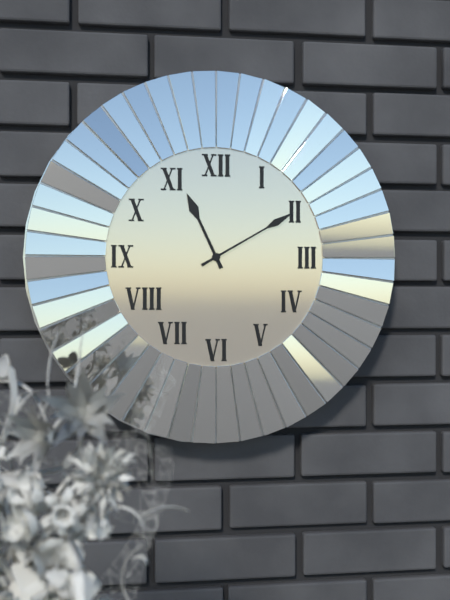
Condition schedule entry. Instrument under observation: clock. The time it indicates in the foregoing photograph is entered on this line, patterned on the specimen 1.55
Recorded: 11.10
